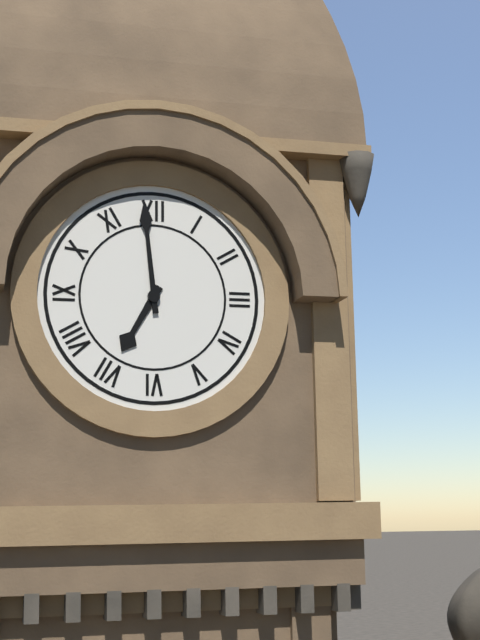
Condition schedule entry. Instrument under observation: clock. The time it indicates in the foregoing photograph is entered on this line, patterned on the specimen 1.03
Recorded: 6.59
